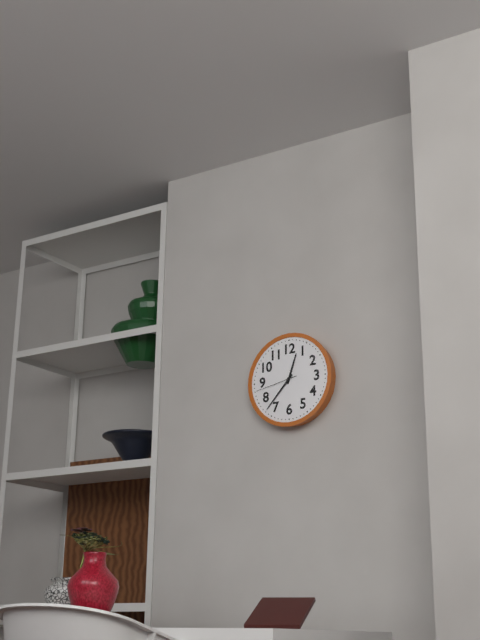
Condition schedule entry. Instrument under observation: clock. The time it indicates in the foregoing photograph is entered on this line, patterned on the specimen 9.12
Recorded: 12.37
